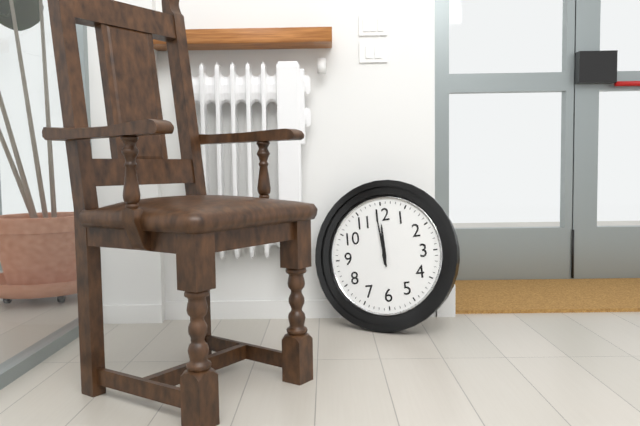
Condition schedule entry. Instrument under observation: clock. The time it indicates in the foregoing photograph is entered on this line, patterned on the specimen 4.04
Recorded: 11.59
